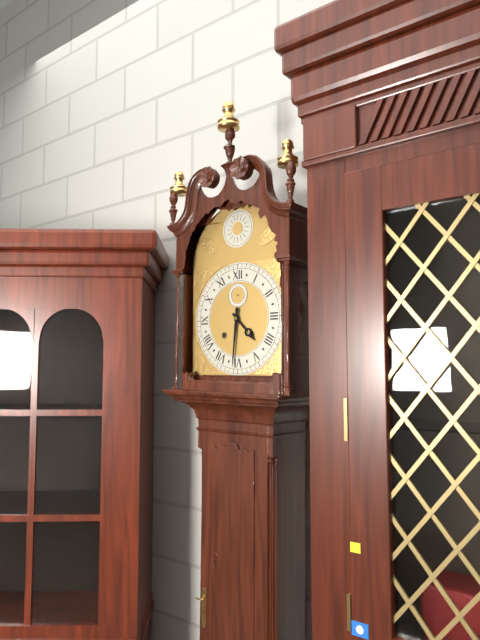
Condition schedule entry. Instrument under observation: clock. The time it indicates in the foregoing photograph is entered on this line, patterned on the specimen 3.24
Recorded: 4.31
